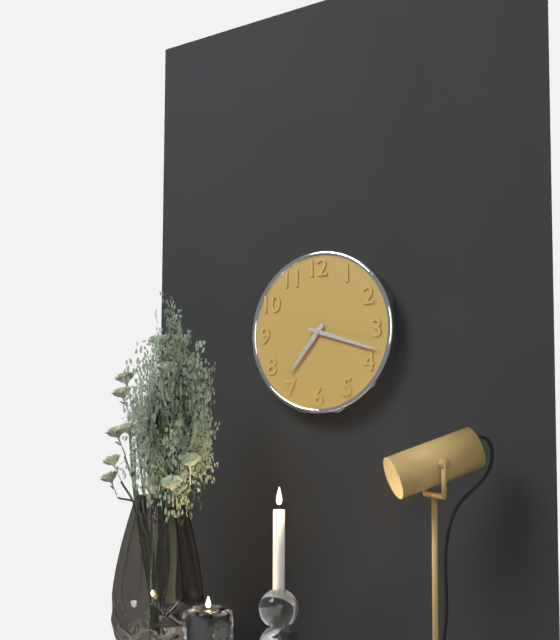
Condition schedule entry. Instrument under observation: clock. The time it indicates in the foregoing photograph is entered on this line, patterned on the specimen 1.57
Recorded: 7.18
